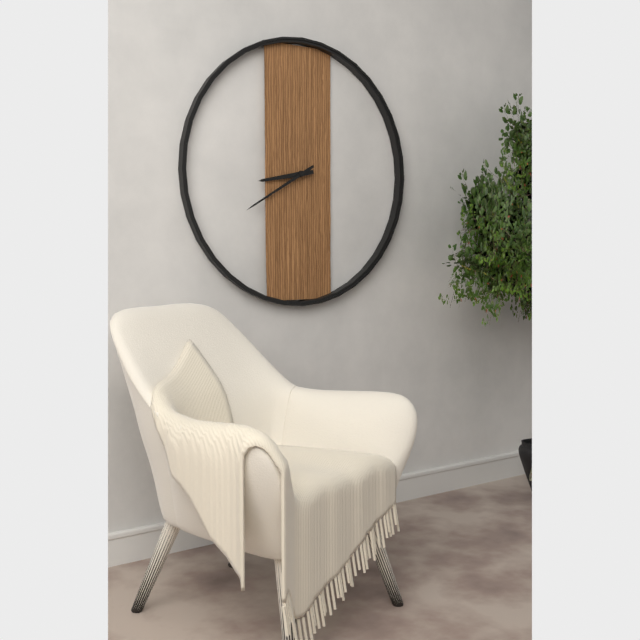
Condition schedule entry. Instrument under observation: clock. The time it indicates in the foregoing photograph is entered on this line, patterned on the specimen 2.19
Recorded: 8.40
